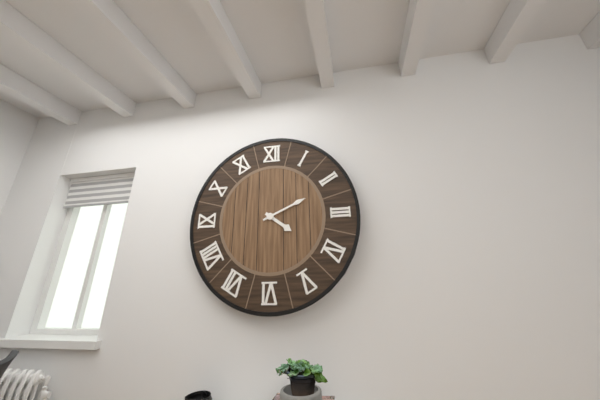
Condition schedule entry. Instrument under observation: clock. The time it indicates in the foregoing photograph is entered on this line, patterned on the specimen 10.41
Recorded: 4.11
